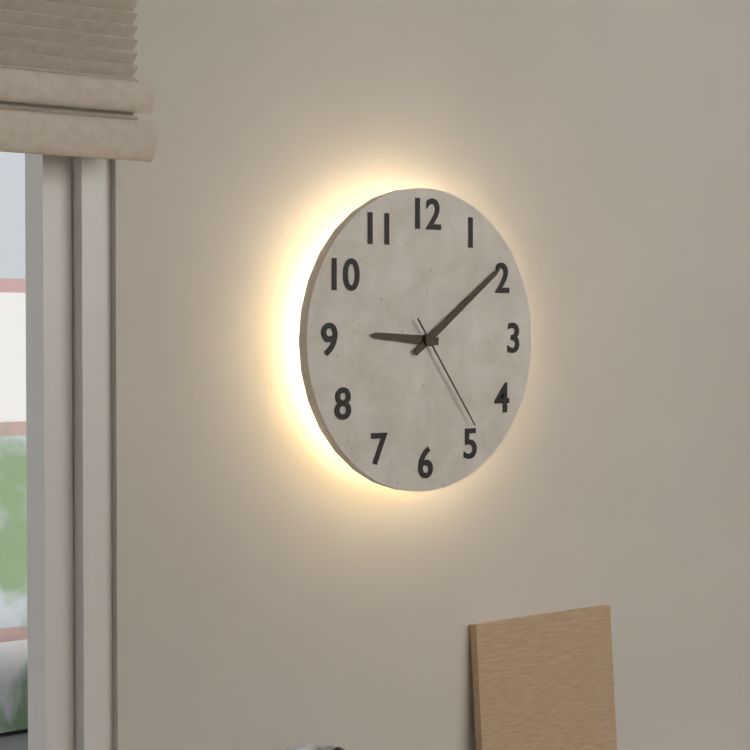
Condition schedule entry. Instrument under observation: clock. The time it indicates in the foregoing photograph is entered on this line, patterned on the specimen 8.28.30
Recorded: 9.09.24
